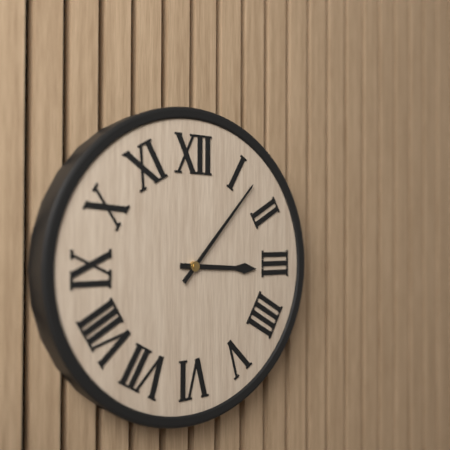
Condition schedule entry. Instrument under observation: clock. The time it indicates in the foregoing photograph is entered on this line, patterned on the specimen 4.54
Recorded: 3.07
